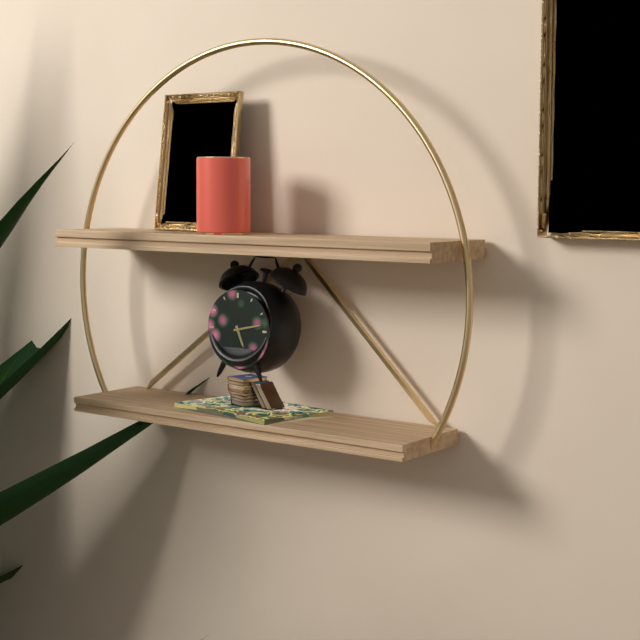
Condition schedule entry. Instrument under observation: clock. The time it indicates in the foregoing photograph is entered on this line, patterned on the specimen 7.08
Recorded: 5.13
